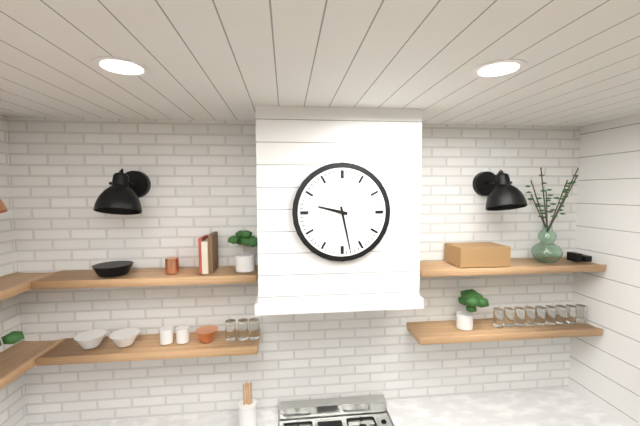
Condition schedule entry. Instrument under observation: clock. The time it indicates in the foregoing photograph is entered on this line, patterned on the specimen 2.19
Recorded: 9.28
